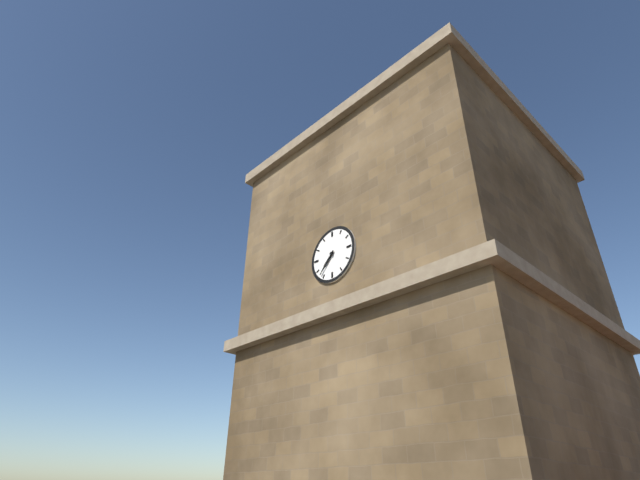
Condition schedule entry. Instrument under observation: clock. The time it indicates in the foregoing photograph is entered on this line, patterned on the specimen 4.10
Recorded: 7.37
